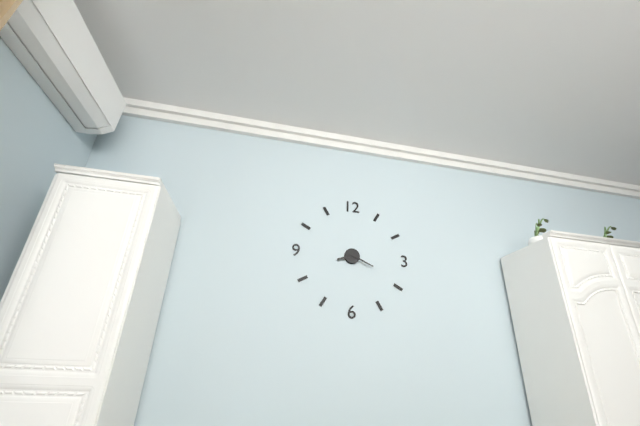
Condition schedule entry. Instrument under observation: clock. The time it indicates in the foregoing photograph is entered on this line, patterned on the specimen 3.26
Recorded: 8.19
